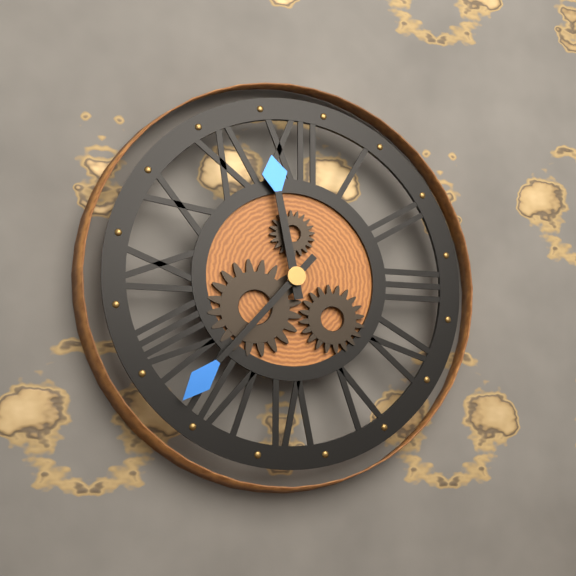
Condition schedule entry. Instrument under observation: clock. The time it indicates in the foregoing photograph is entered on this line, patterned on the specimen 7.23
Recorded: 11.37
